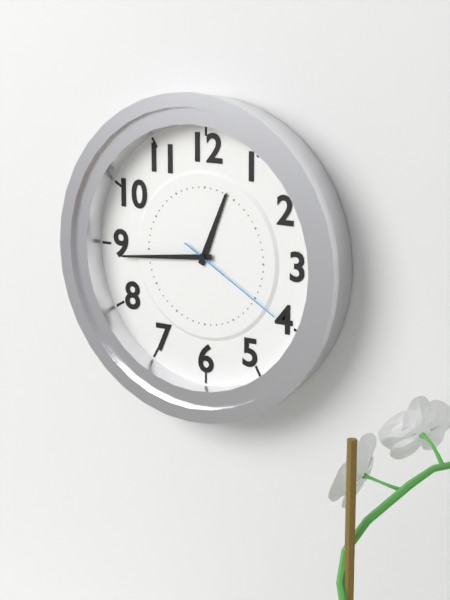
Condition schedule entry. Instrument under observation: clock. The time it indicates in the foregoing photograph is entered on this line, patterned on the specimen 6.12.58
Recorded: 12.44.20
